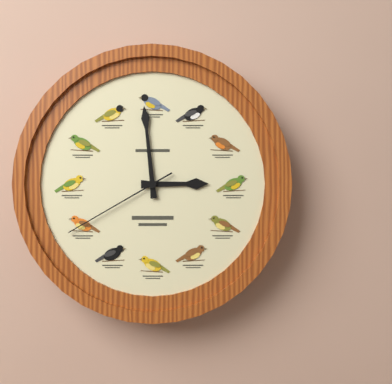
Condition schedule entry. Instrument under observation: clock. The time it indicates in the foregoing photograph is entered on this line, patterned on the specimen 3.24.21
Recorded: 2.59.40
